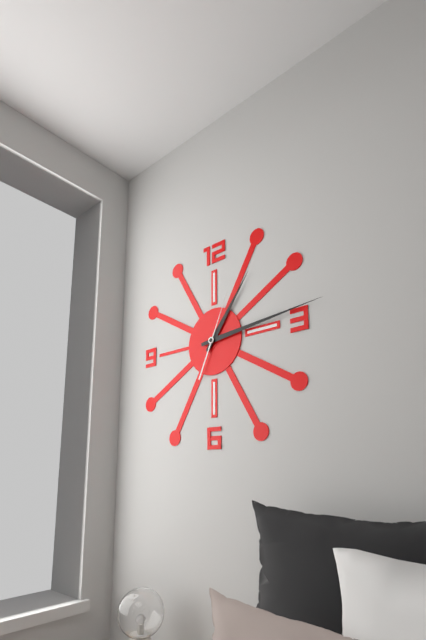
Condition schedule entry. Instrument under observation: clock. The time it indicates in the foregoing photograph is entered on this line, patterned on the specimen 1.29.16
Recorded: 1.14.04
